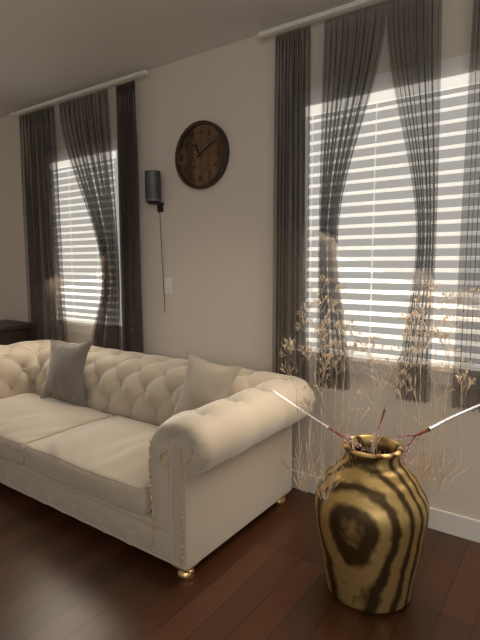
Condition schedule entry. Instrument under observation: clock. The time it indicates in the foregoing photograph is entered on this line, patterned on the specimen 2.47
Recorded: 11.10
